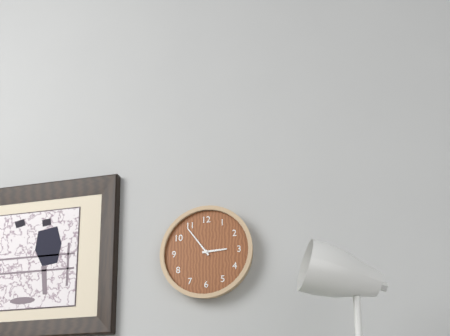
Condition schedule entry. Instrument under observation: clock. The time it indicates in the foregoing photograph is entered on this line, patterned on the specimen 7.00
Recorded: 2.54
